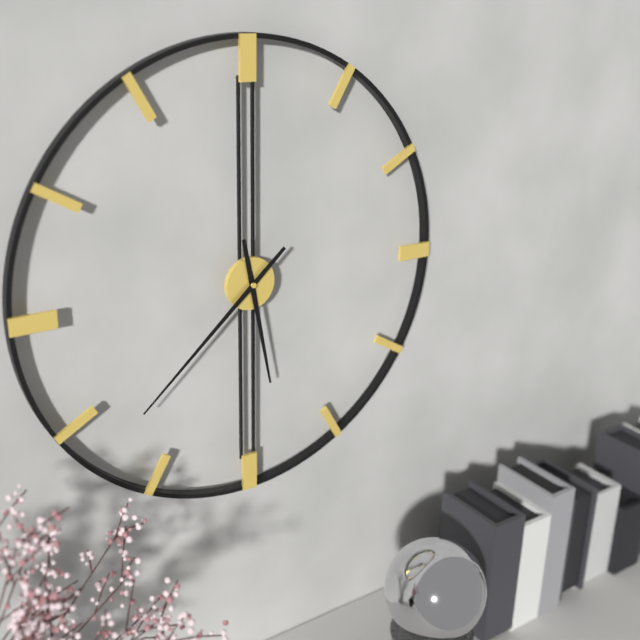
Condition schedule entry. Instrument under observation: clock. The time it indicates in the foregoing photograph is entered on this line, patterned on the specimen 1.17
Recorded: 5.38
